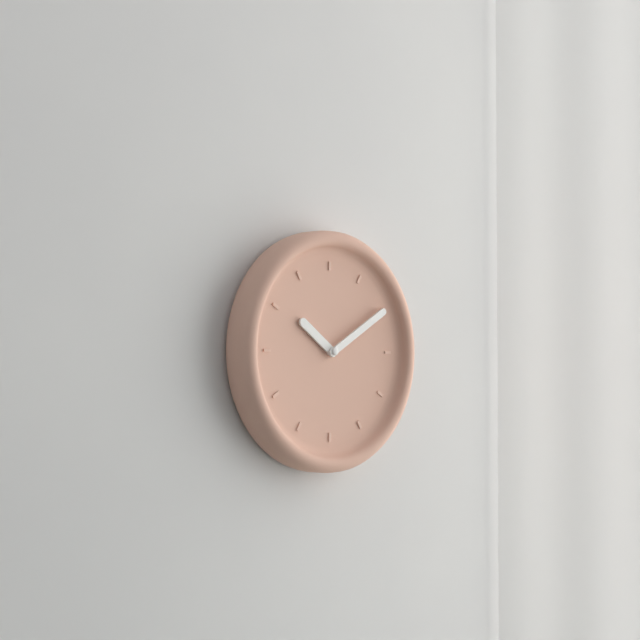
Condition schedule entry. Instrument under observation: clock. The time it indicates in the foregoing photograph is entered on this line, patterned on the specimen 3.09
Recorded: 10.10
